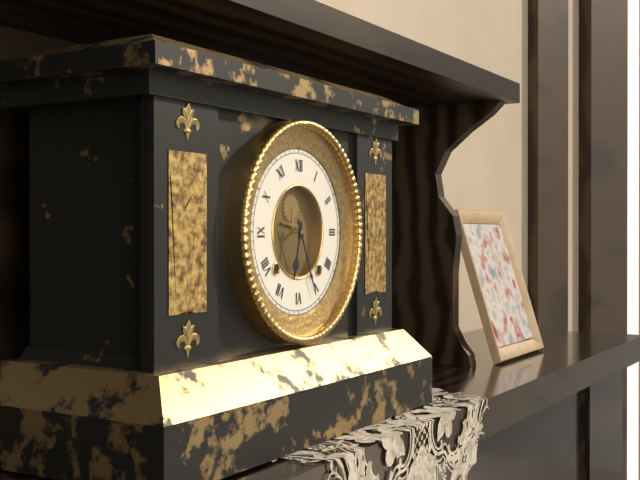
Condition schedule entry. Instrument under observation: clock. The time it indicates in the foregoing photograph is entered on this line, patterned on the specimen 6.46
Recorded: 6.26
